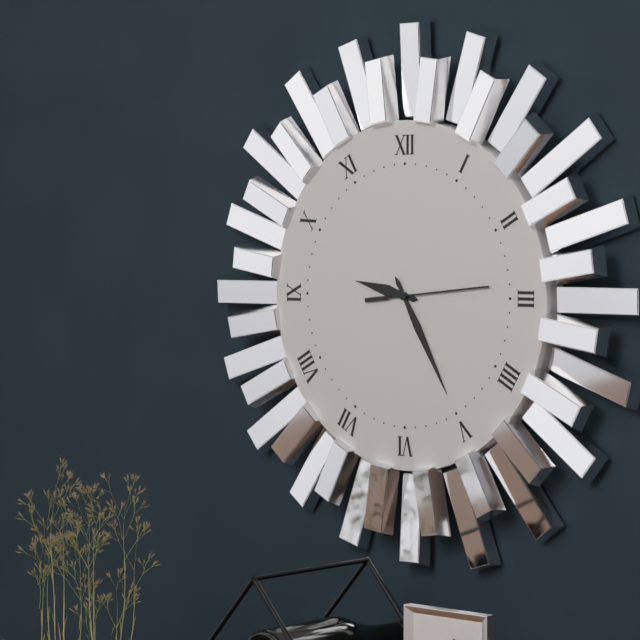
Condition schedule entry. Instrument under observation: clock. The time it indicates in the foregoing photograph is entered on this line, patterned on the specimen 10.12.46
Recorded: 9.25.14
